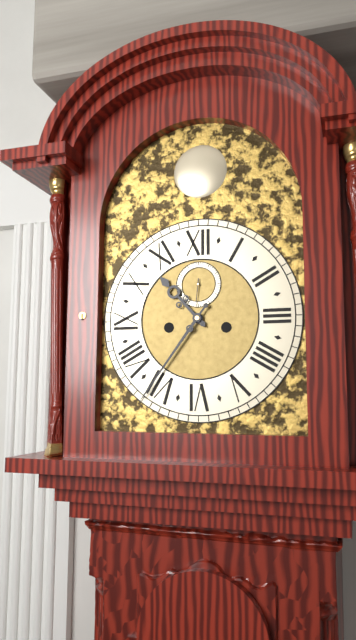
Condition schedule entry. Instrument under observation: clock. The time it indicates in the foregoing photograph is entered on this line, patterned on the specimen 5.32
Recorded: 10.36
